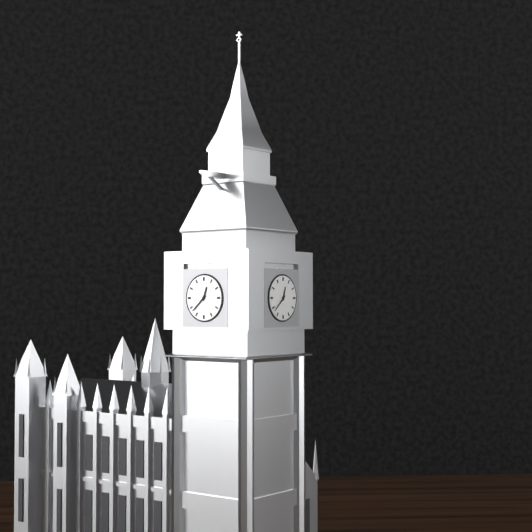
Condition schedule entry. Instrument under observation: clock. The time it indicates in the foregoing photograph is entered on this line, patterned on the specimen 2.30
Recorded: 12.38
